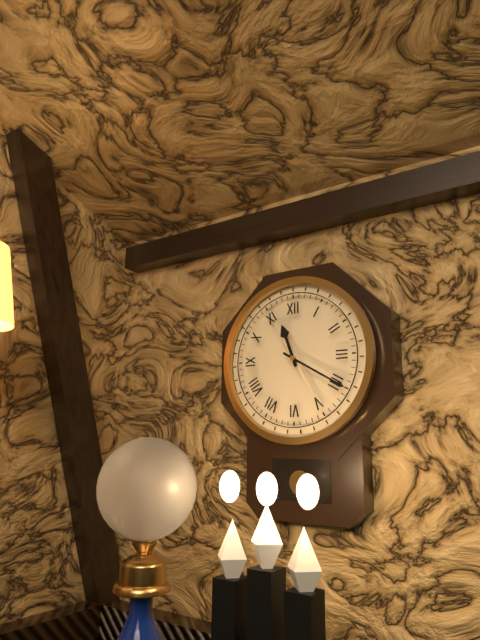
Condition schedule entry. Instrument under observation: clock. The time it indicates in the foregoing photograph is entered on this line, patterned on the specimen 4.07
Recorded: 11.20
